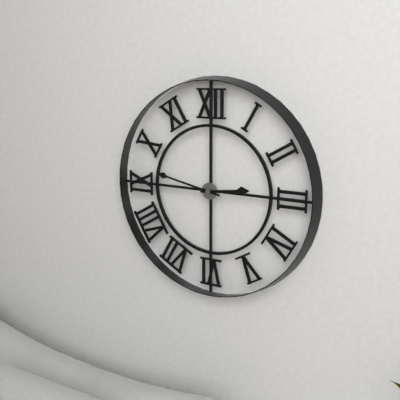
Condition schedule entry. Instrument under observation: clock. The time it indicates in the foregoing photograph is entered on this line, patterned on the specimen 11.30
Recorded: 2.47
